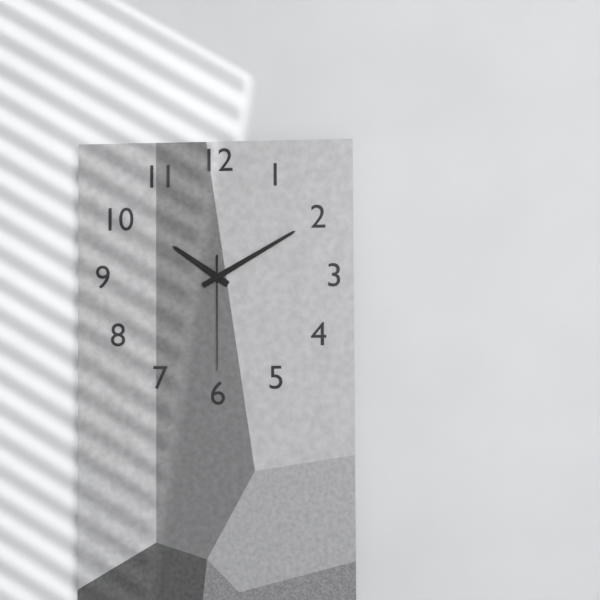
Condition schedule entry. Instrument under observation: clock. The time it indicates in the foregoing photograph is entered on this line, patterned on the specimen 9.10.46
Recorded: 10.10.30
